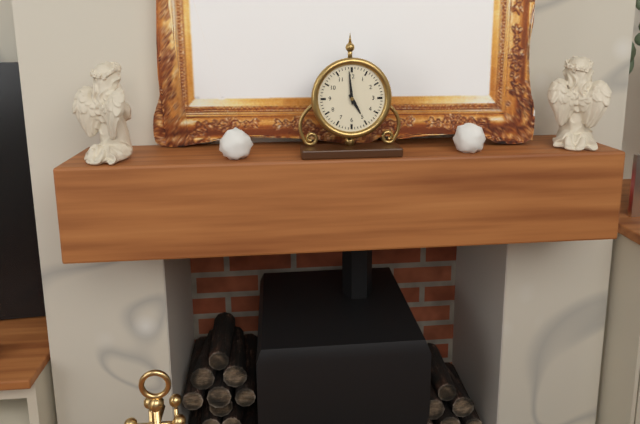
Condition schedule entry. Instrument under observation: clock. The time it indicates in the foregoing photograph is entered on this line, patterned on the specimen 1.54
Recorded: 4.59
